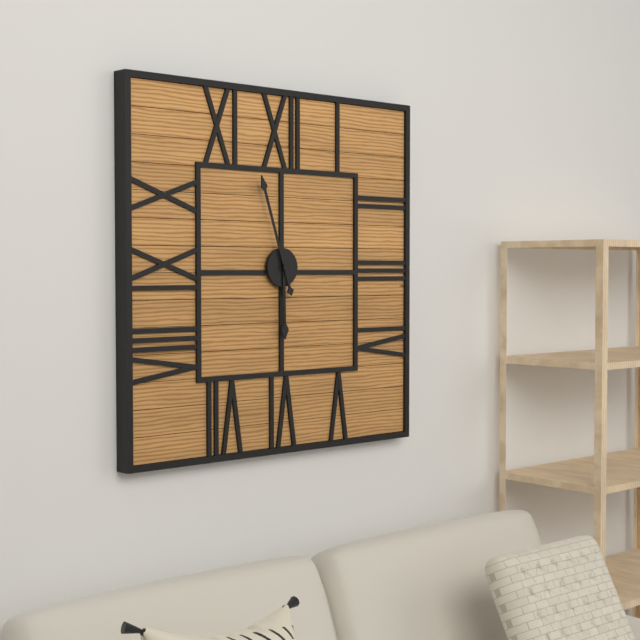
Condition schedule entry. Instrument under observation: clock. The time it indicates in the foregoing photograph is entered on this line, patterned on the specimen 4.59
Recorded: 5.57
